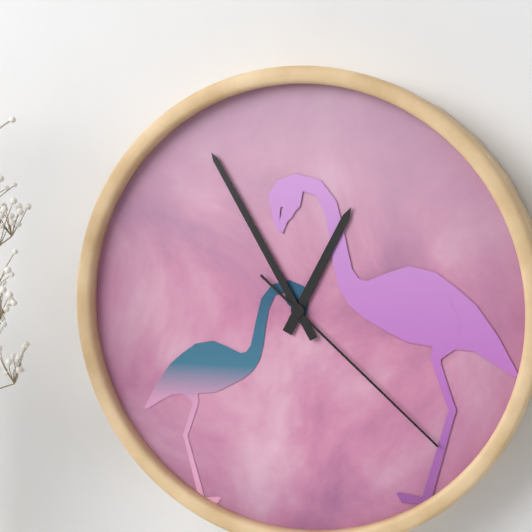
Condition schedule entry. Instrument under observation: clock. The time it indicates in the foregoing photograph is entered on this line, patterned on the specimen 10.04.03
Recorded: 12.55.22
